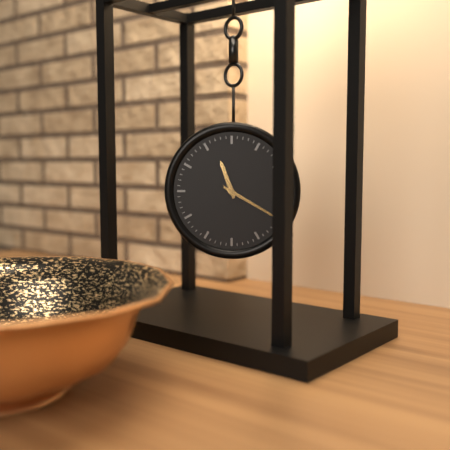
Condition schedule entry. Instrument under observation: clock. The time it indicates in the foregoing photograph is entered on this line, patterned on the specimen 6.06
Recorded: 11.20
